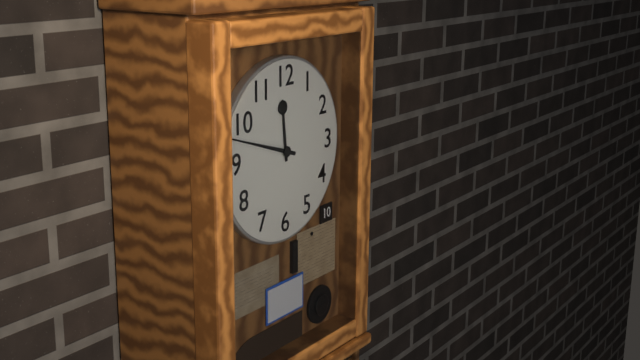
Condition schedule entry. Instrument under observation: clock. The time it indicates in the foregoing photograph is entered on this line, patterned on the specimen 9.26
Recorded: 11.48
